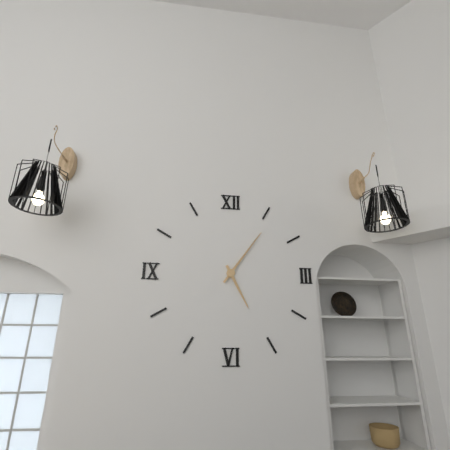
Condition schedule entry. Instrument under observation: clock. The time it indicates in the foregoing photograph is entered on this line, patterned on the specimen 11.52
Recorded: 5.06
